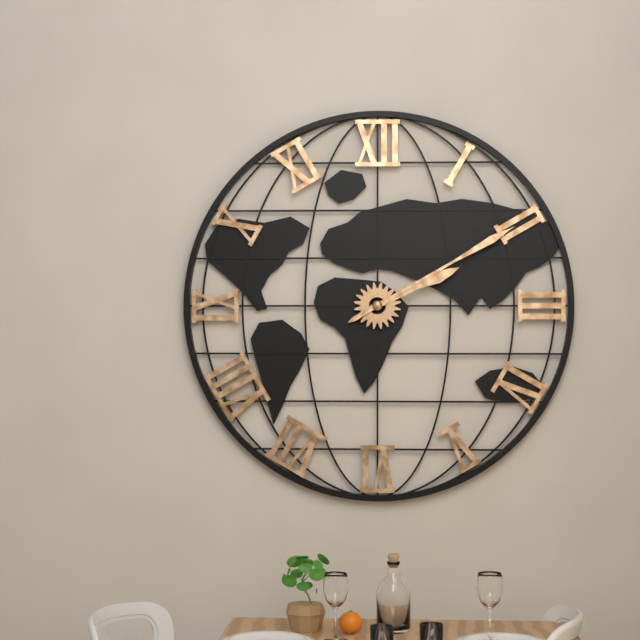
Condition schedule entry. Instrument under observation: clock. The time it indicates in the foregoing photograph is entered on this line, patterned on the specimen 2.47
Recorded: 2.10
